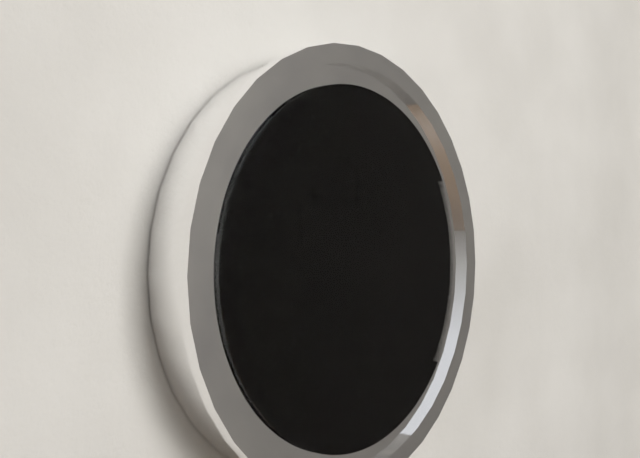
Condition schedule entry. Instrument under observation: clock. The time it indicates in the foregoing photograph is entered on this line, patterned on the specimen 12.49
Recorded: 1.25
